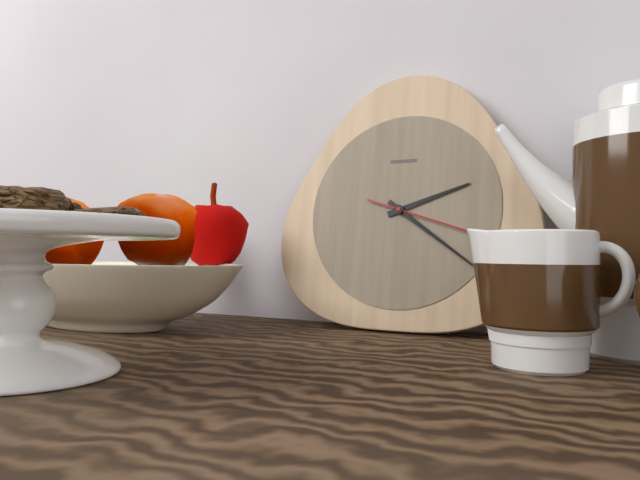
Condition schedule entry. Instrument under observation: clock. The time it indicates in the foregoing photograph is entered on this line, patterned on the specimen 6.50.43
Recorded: 2.21.18
